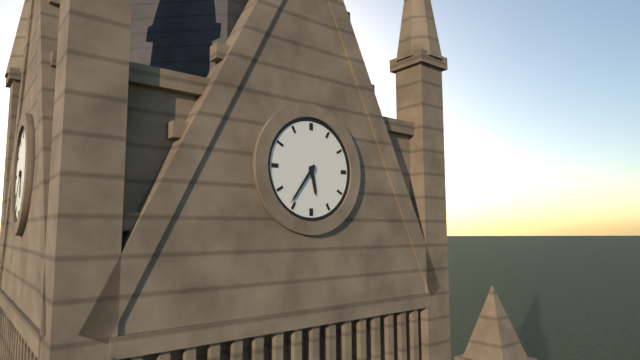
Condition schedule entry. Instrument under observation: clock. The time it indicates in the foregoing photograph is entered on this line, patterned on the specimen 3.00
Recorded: 5.36
